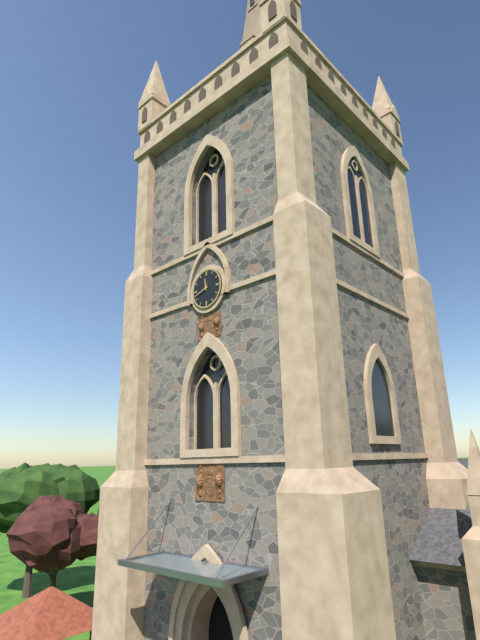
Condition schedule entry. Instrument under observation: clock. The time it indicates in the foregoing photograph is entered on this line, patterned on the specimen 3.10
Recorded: 11.42
